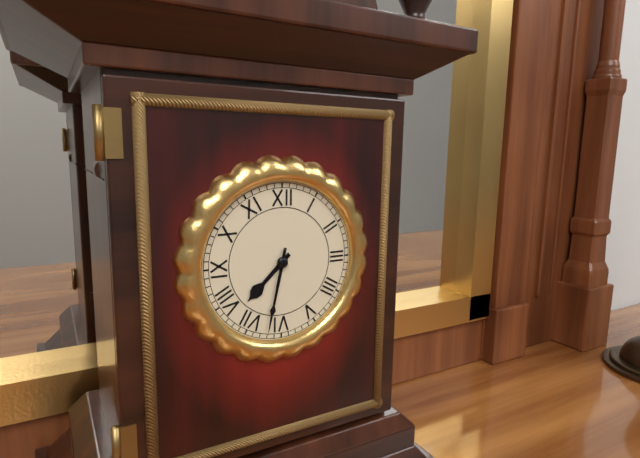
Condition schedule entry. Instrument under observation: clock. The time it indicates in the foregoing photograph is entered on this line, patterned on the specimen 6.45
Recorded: 7.32
